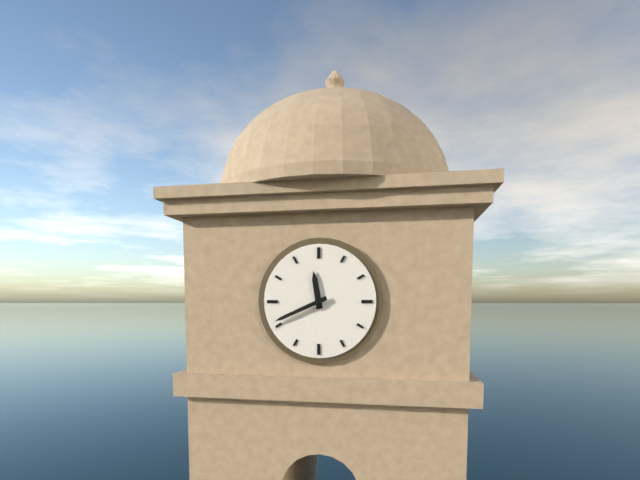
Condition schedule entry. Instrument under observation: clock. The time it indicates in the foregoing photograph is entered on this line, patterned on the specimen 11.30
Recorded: 11.41
